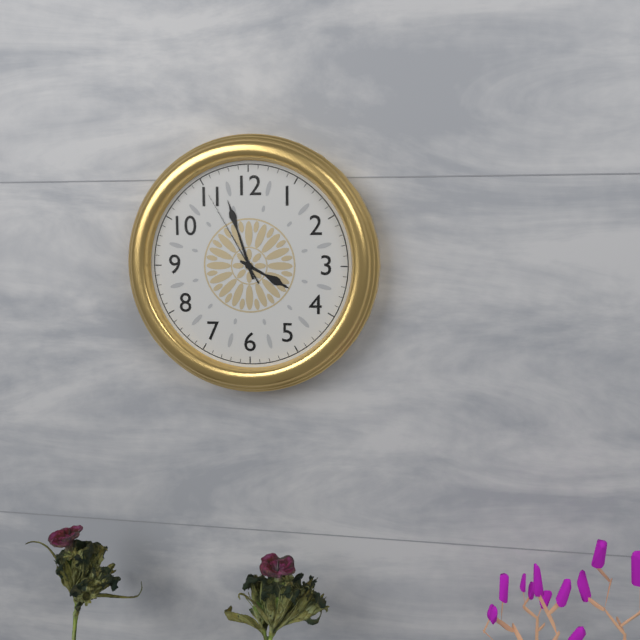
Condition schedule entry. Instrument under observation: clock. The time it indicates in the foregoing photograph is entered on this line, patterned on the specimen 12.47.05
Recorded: 3.57.55
